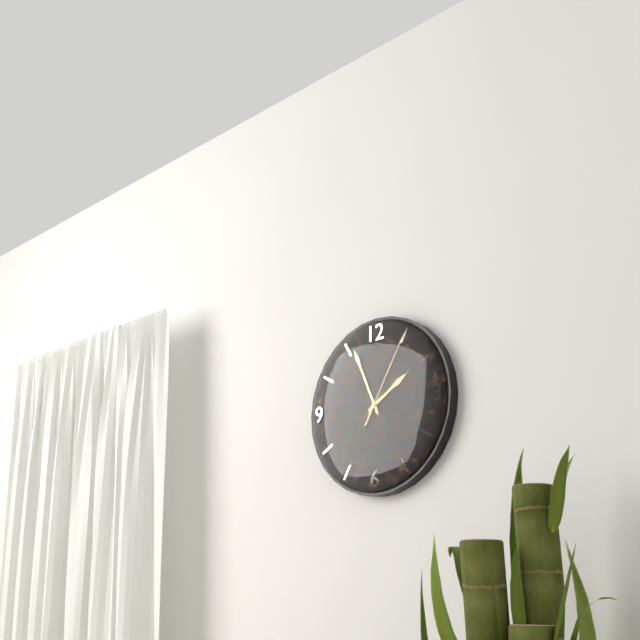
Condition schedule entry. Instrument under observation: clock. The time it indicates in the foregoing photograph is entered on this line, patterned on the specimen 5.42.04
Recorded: 1.56.05
